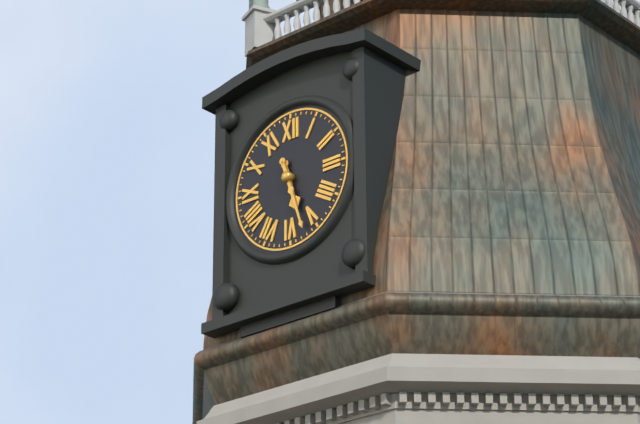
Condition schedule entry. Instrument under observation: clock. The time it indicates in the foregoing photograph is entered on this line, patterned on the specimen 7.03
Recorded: 5.27
